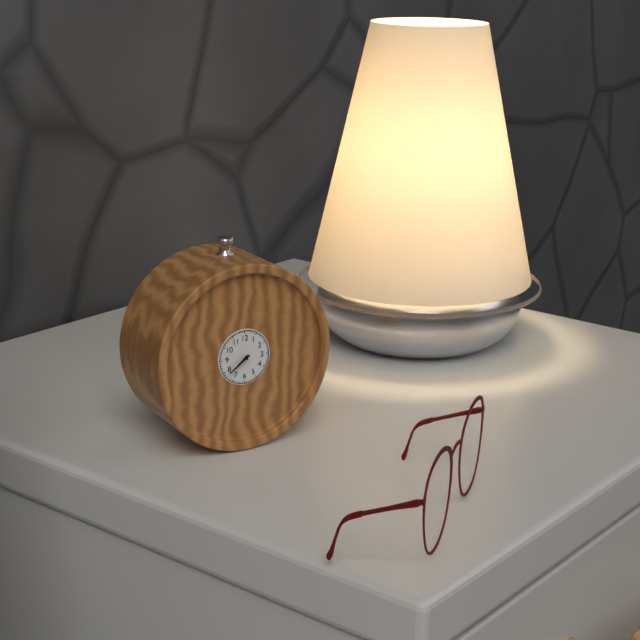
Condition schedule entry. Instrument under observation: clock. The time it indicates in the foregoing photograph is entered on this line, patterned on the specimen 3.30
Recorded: 7.39
